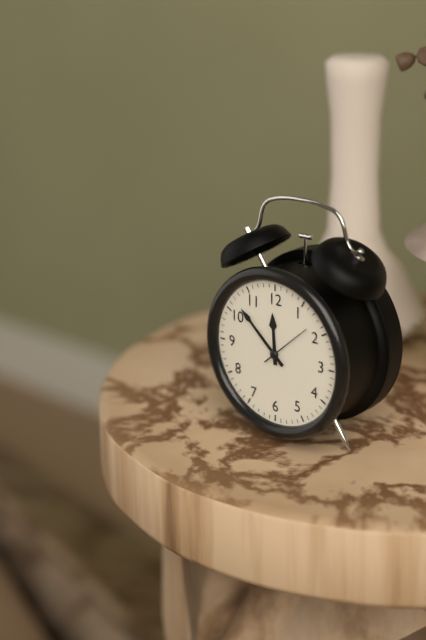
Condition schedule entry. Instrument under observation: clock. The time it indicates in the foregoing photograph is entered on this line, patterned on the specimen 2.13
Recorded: 11.52
